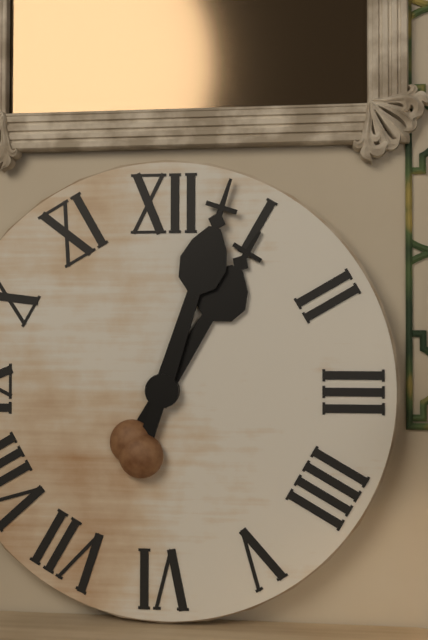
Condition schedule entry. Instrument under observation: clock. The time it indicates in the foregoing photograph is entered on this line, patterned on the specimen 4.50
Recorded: 1.03
